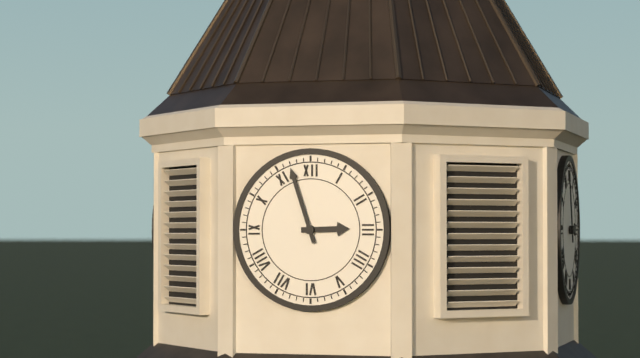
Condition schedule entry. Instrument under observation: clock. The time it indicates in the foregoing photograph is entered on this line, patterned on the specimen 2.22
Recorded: 2.57
